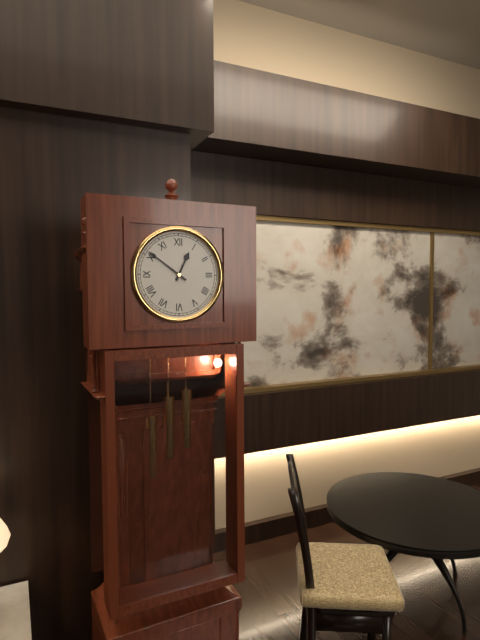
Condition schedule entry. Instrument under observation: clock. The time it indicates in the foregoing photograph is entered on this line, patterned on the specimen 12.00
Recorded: 12.51
